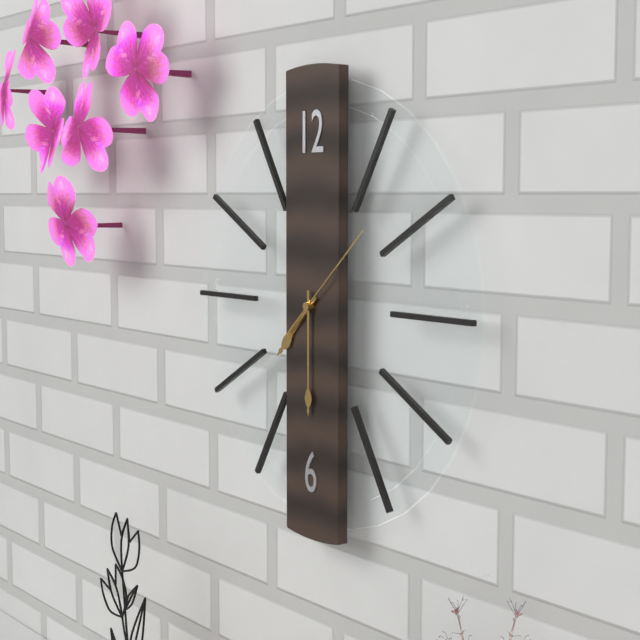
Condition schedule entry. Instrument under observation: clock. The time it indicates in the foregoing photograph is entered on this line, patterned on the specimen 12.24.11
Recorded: 7.30.08
